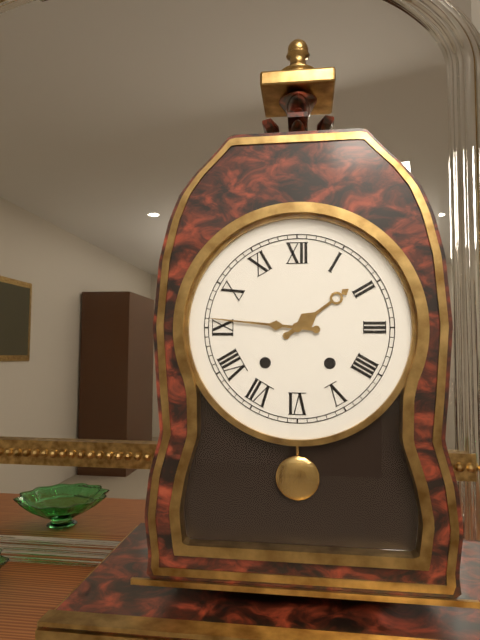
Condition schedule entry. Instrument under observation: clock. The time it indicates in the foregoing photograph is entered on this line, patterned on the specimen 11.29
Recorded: 1.46
